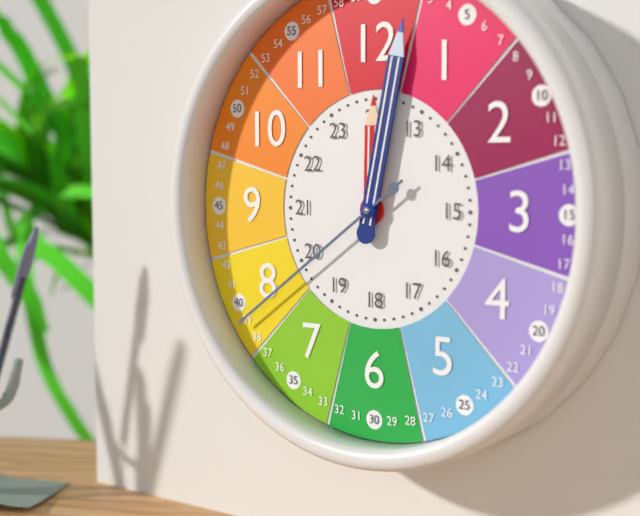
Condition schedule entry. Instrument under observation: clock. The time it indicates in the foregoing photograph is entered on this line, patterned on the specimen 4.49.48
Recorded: 12.02.39
